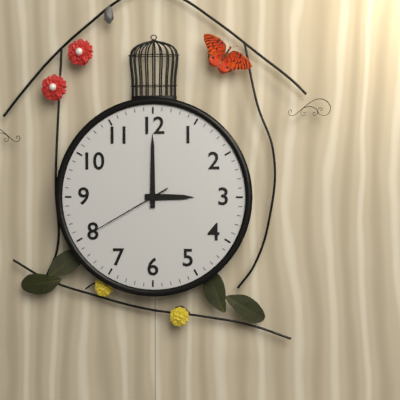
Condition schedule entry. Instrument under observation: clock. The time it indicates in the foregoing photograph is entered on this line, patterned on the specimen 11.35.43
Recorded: 3.00.40
